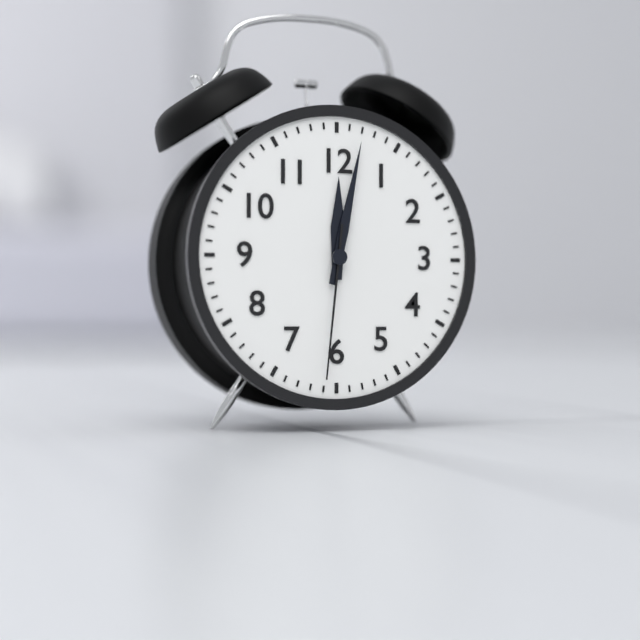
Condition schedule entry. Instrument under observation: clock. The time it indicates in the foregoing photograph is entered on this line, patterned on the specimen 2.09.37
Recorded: 12.02.31
